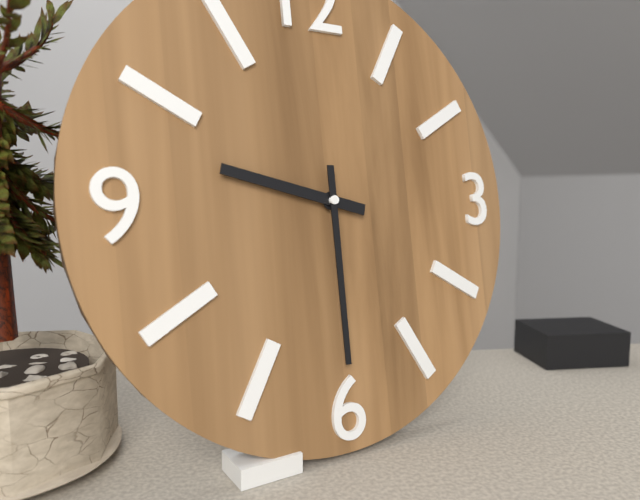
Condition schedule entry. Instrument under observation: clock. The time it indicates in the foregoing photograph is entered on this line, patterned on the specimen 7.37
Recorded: 9.30
